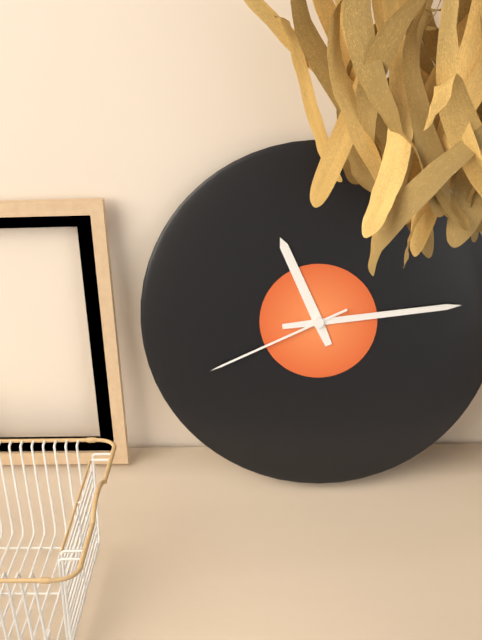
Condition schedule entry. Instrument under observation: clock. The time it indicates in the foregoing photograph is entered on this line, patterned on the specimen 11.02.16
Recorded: 11.14.41
